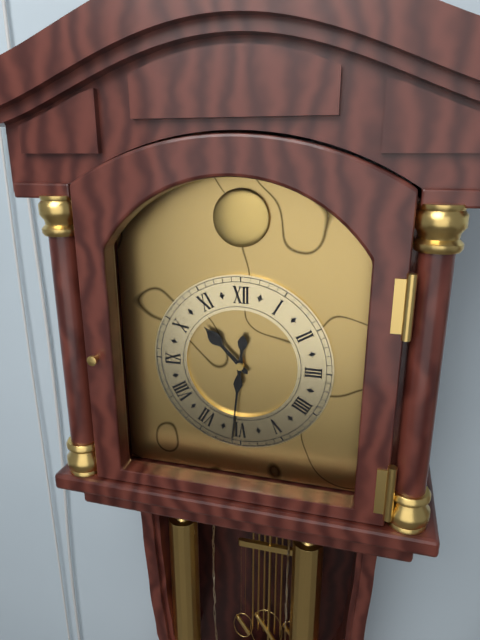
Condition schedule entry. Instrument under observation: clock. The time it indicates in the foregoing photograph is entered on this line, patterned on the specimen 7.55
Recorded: 10.31
